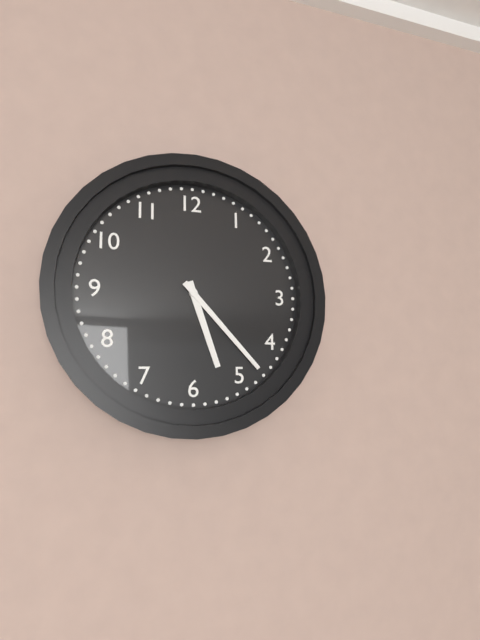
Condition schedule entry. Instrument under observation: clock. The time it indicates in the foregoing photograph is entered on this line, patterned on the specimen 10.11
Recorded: 5.23
